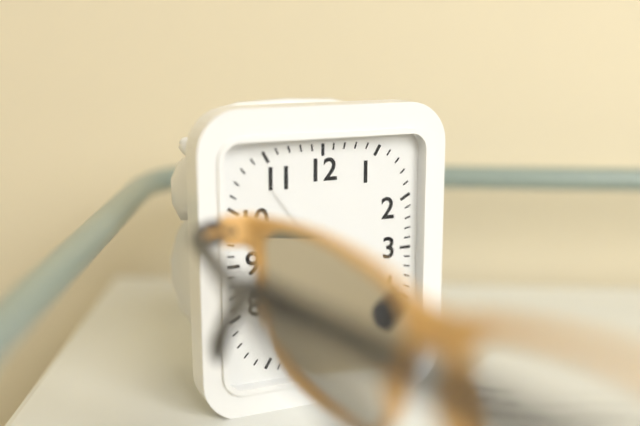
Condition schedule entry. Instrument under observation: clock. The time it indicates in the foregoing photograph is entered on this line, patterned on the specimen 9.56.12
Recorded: 9.48.54
